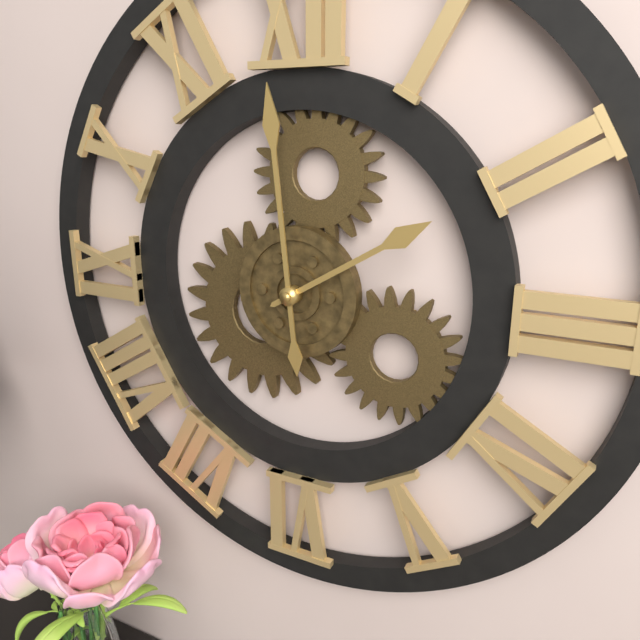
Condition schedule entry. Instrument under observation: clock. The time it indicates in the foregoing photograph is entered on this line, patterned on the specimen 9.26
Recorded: 1.59
